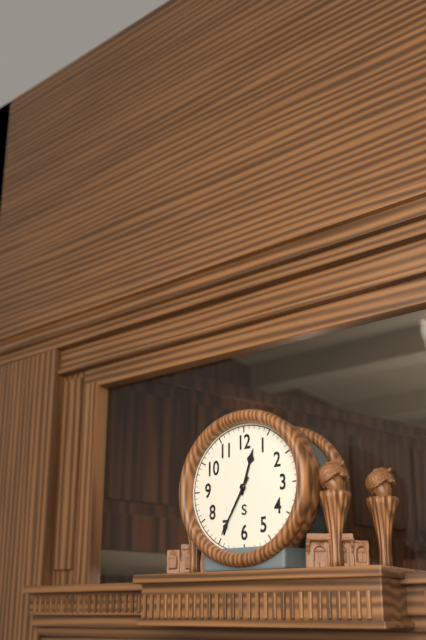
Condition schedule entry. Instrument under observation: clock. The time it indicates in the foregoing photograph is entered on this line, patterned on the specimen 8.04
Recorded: 12.35
